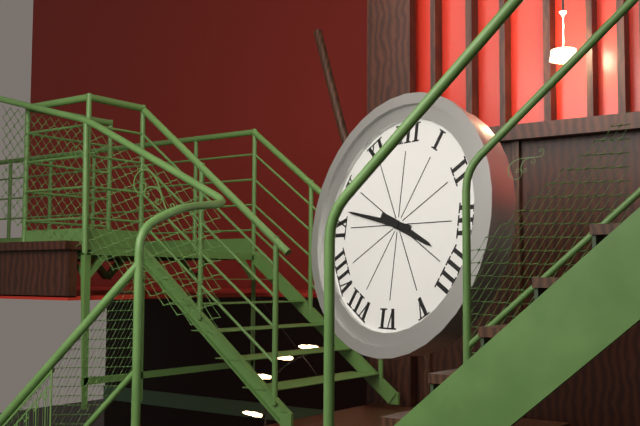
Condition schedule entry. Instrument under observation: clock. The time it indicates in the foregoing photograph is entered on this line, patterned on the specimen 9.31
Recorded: 3.47
